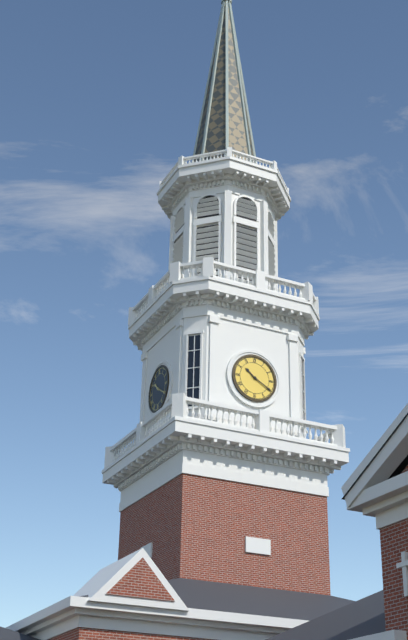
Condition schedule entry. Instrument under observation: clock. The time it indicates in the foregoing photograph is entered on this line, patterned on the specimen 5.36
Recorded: 10.20
